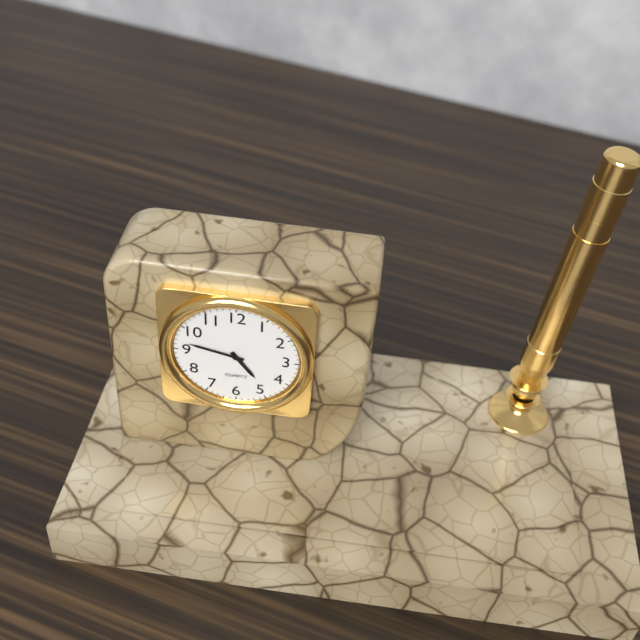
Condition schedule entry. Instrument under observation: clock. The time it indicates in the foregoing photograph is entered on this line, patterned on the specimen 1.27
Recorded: 4.47
